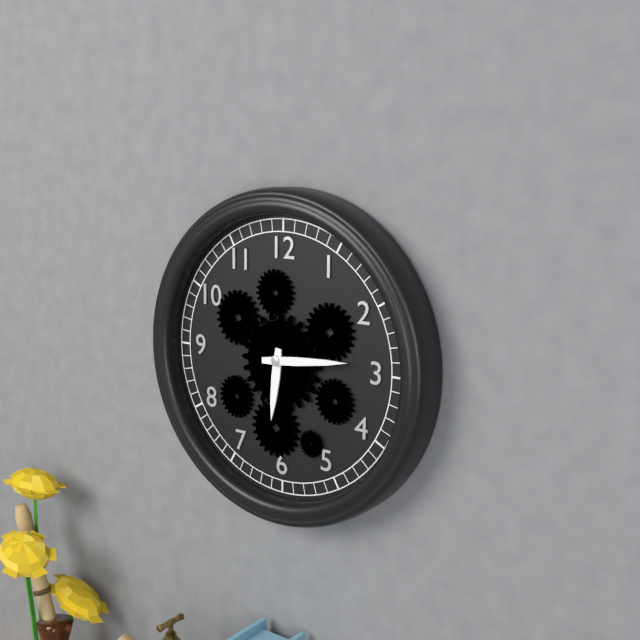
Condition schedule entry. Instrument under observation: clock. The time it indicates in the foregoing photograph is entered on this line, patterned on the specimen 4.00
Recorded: 6.14
